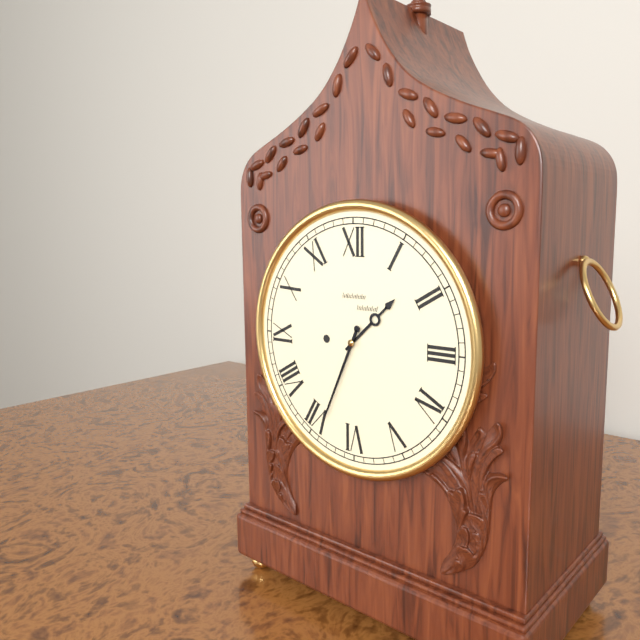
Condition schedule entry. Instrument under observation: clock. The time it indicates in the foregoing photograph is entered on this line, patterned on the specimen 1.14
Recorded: 1.34
